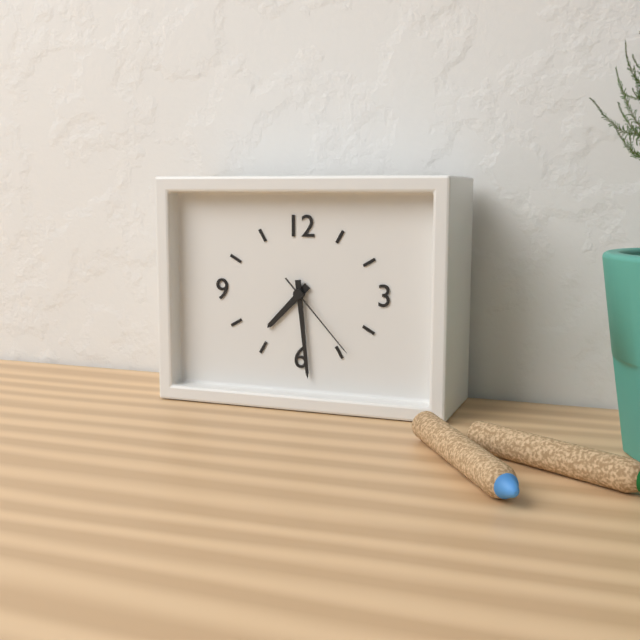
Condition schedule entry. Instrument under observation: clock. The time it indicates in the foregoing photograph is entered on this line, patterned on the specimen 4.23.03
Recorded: 7.29.23
